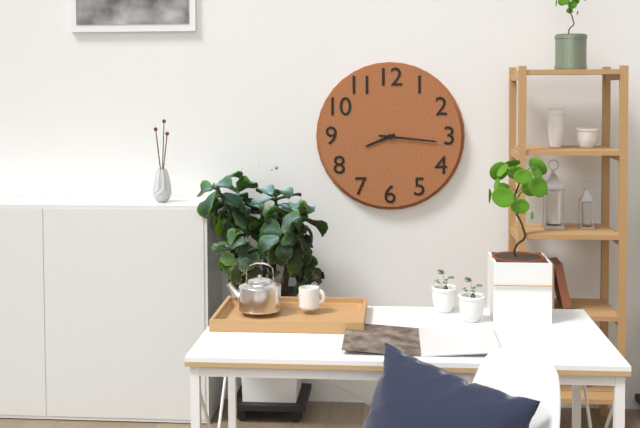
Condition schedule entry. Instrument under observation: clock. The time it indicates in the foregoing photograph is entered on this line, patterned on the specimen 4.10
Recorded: 8.16
